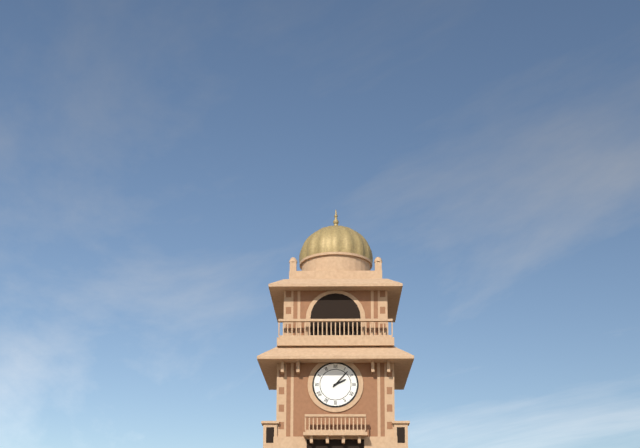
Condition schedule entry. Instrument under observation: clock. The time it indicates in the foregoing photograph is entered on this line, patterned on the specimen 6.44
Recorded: 2.07
